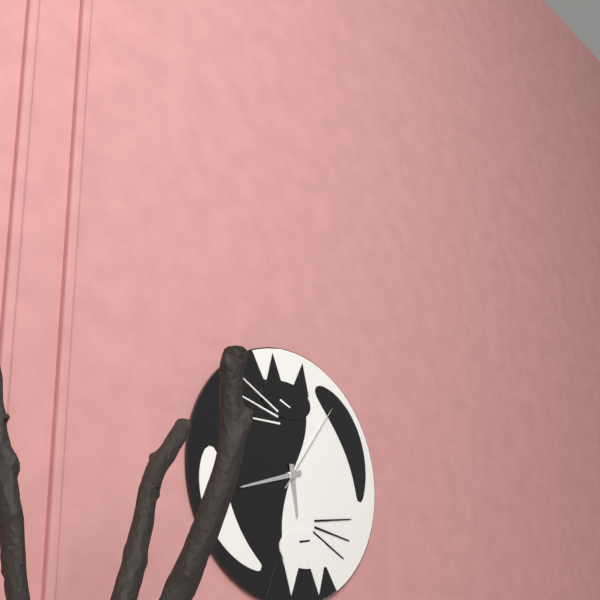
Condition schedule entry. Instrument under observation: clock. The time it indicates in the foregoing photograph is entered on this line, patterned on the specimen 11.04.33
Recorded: 5.42.06
